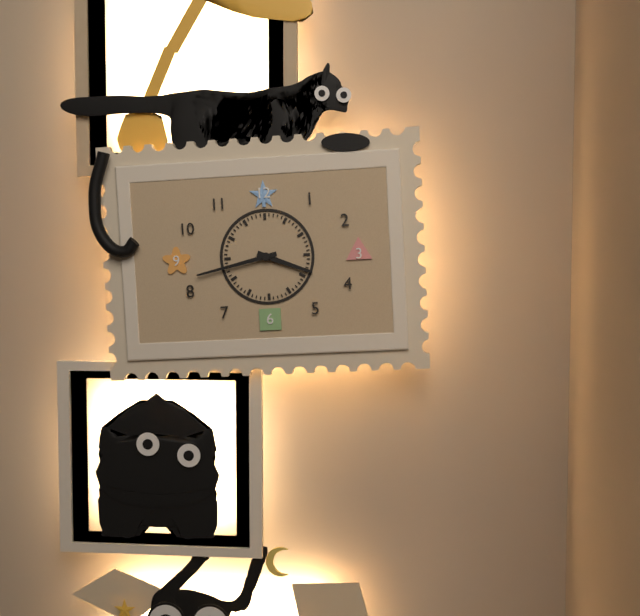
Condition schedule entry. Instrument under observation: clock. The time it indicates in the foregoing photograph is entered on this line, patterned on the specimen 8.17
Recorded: 3.43
